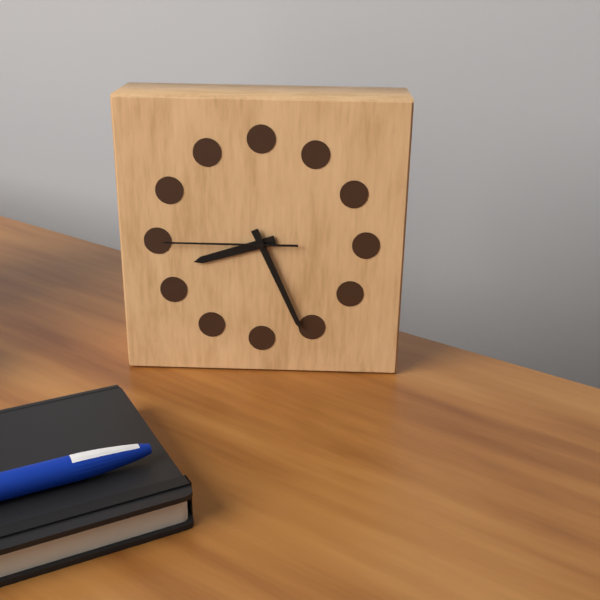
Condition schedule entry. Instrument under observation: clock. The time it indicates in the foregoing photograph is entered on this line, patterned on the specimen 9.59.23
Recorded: 8.26.45
